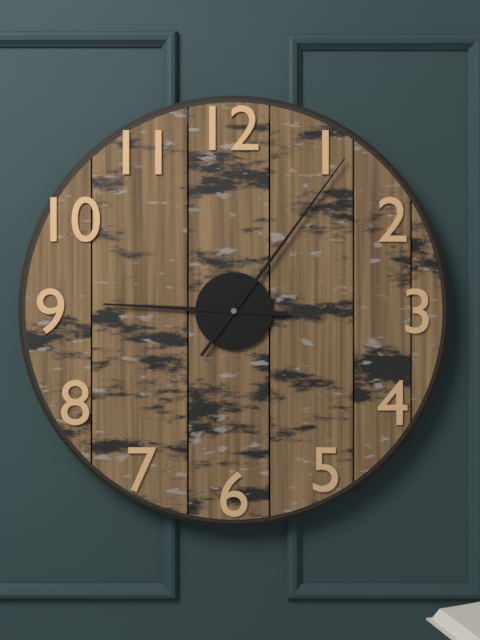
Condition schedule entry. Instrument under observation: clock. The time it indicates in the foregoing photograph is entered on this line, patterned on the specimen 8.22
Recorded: 9.06
